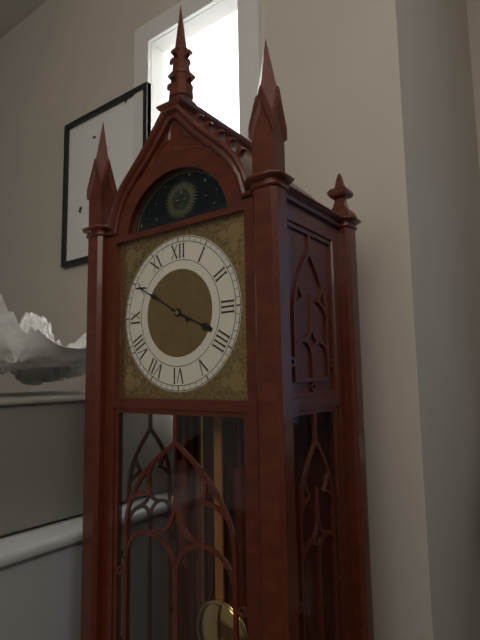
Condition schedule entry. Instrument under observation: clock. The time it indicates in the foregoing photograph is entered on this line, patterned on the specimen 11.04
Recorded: 3.50
